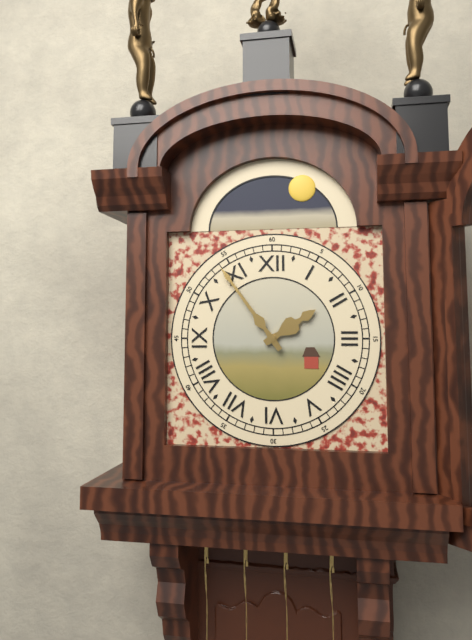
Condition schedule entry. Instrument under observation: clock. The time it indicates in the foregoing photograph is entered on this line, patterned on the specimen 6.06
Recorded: 1.54
